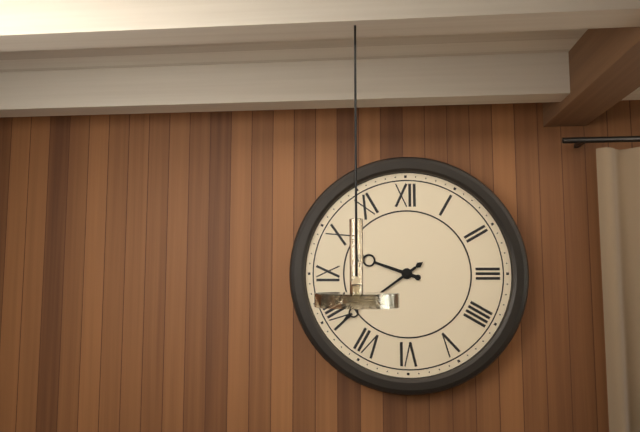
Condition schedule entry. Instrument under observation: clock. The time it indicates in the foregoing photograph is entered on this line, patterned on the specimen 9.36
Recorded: 9.39
